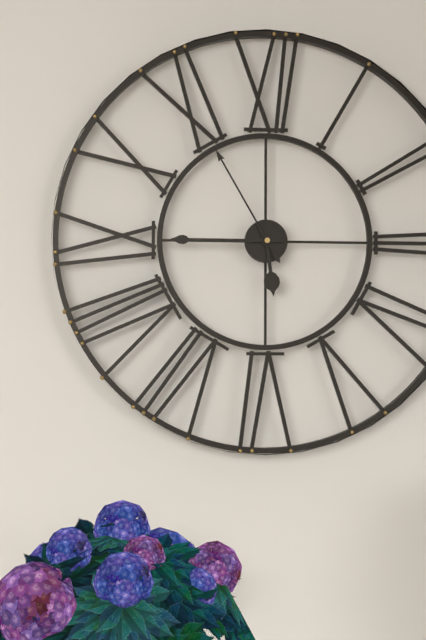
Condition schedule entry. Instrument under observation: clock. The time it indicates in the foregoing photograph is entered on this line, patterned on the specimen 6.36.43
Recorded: 5.45.55
